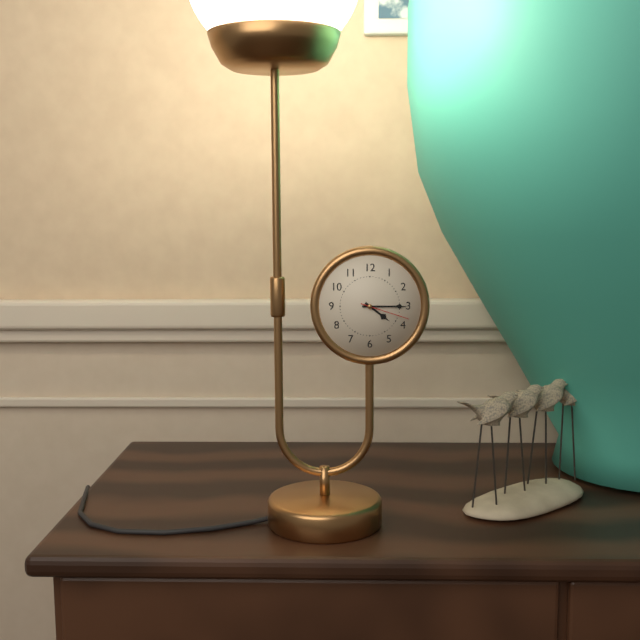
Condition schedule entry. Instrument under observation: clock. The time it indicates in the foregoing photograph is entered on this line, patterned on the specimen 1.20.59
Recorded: 4.15.18
